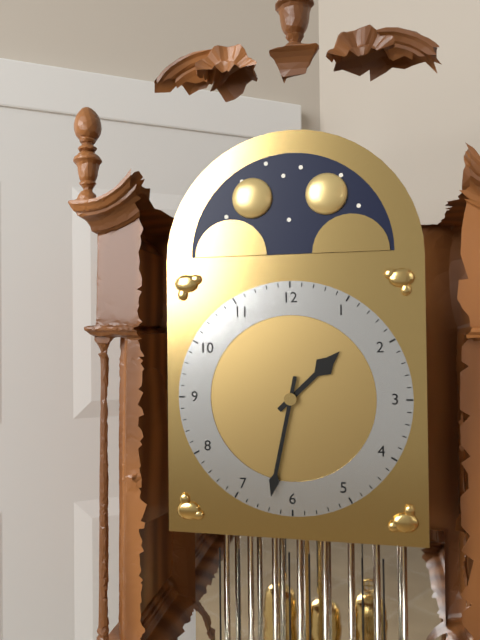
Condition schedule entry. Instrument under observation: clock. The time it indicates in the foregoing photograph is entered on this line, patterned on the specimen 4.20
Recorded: 1.32
